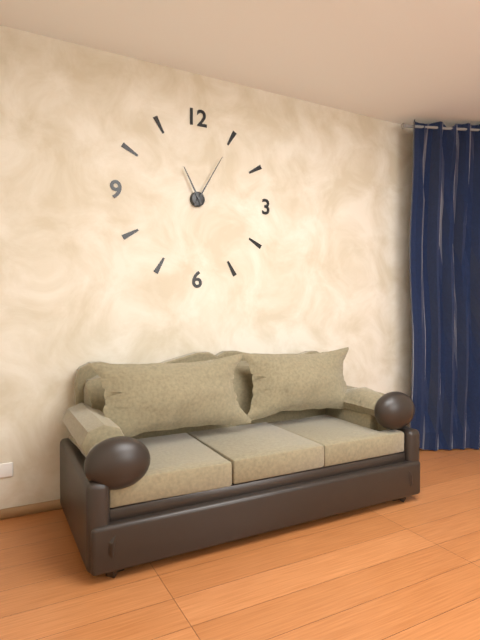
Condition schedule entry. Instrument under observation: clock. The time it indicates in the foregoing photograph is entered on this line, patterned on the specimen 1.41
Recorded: 11.05
